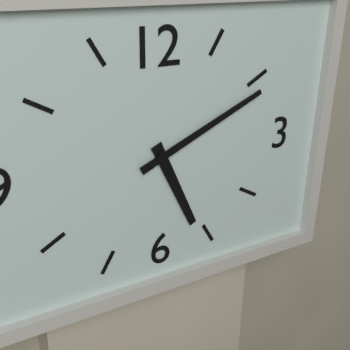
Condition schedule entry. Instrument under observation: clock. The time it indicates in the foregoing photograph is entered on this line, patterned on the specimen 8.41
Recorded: 5.11
